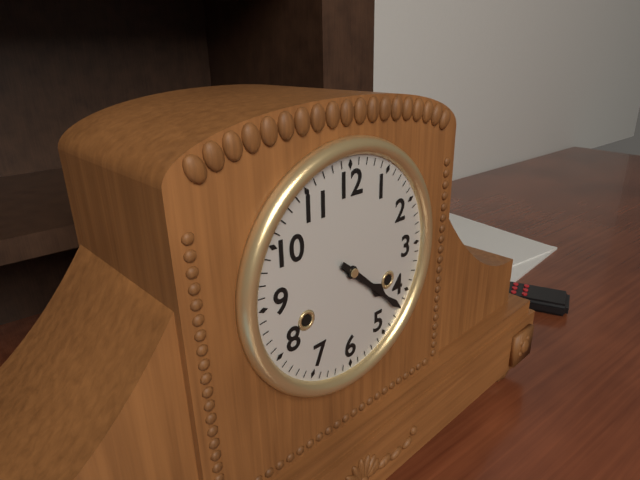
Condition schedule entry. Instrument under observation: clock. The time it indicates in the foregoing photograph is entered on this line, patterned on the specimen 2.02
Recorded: 4.22
